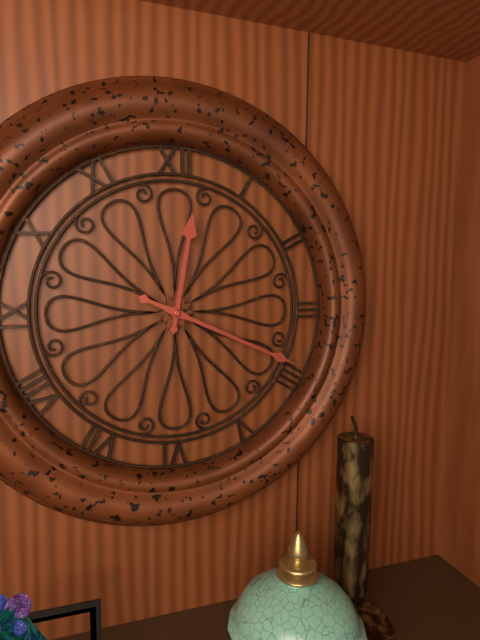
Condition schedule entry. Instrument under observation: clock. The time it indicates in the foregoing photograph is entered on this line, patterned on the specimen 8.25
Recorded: 12.19
